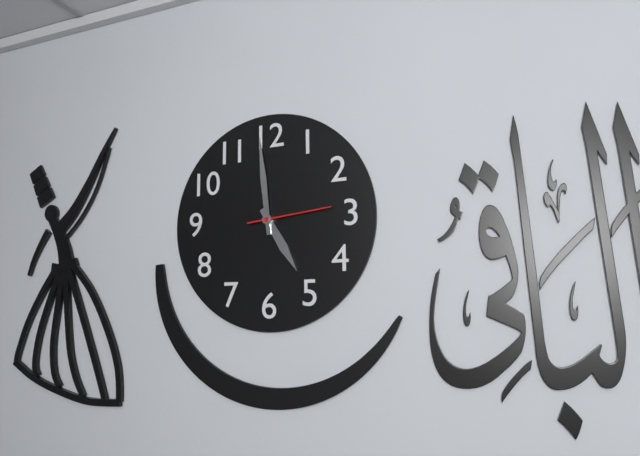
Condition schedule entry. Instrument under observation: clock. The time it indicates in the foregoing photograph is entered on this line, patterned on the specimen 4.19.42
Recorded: 4.59.14
